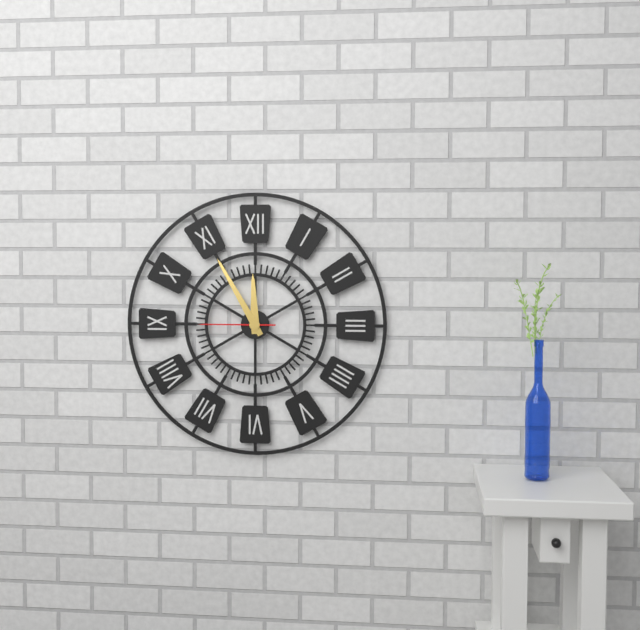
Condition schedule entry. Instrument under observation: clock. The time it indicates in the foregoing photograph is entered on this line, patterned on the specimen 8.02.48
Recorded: 11.55.45
